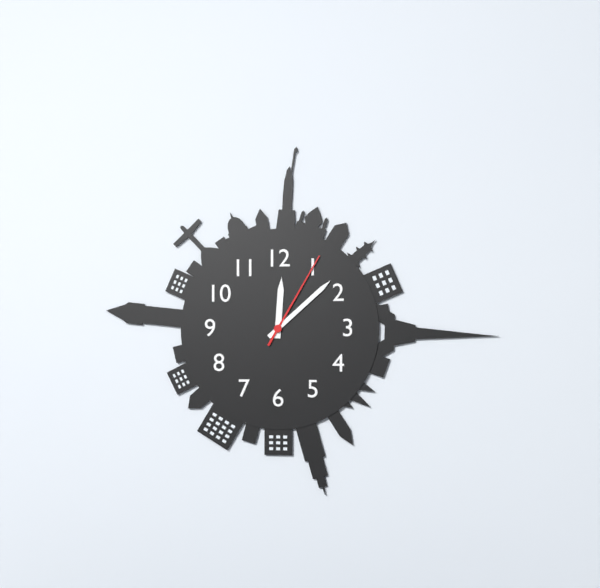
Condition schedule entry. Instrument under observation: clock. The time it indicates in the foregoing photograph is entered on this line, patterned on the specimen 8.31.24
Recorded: 12.08.05
